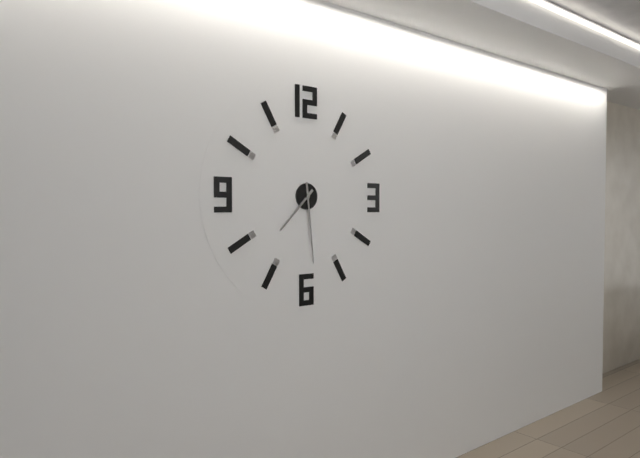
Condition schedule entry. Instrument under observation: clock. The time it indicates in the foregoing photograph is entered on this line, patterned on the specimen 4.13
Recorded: 7.29
